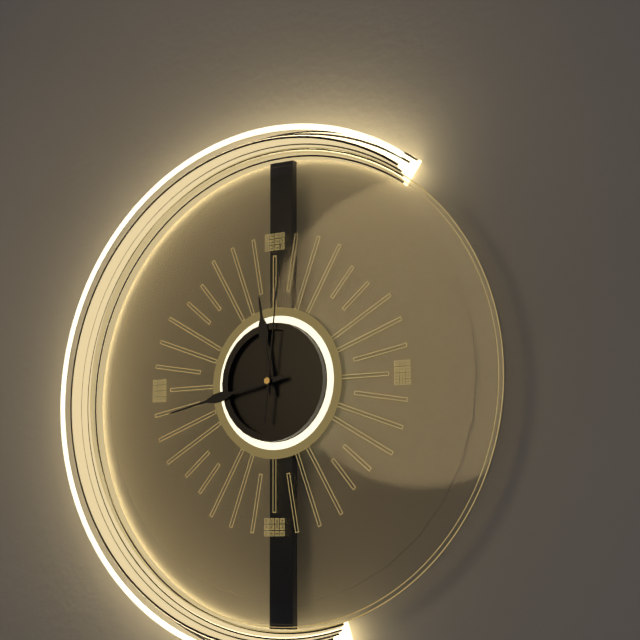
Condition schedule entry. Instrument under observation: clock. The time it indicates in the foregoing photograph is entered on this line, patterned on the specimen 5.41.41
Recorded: 11.43.01
